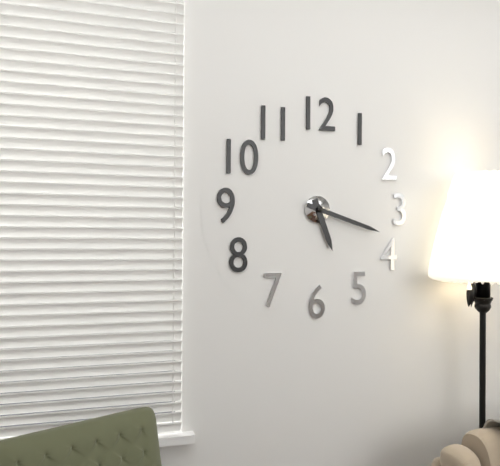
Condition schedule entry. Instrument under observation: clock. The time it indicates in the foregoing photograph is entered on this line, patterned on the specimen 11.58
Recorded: 5.18
